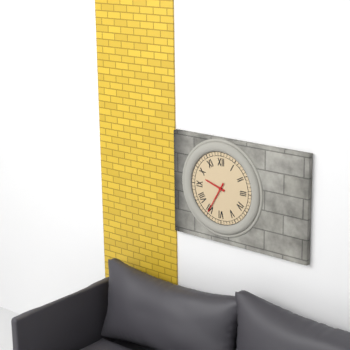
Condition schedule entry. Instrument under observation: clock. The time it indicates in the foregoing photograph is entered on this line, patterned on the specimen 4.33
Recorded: 9.35
